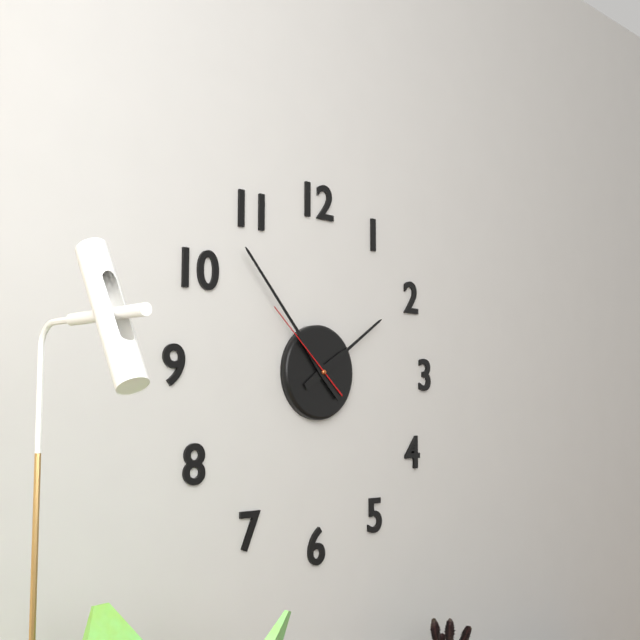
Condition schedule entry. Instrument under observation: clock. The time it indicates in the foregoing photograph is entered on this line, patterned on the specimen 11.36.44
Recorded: 1.53.52
